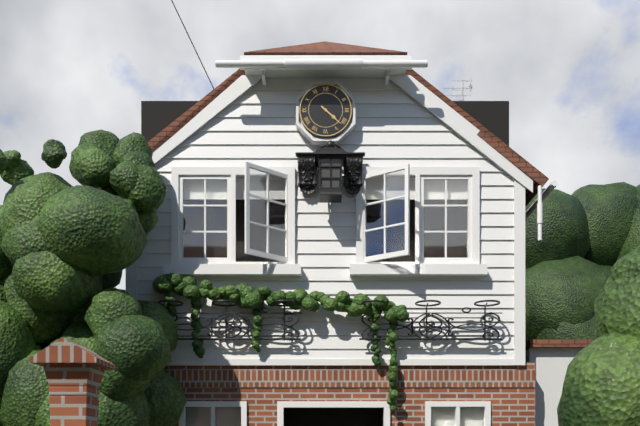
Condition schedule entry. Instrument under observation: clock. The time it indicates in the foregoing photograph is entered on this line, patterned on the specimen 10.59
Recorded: 4.22
